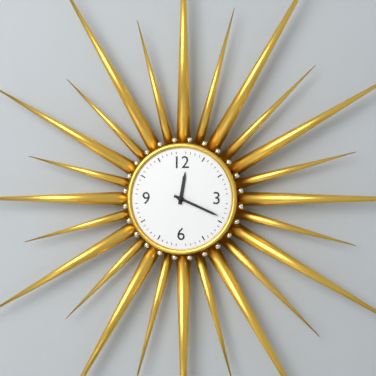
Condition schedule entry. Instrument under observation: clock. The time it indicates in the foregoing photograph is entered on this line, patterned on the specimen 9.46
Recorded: 12.19
